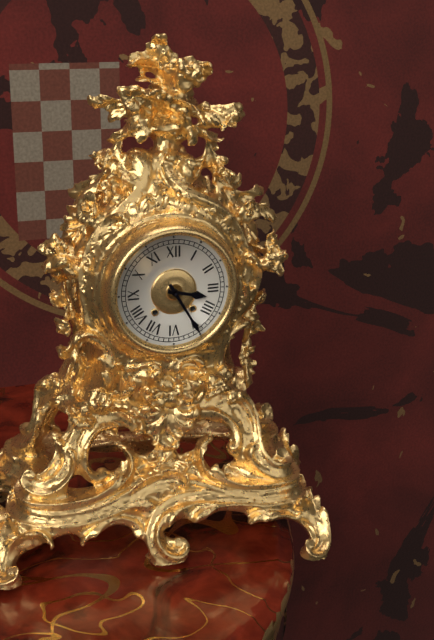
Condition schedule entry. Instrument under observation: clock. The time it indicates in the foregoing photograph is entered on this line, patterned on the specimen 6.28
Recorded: 3.25
